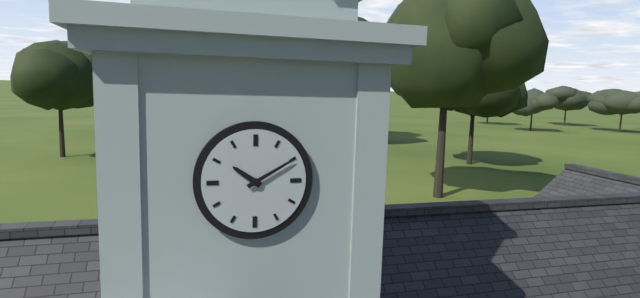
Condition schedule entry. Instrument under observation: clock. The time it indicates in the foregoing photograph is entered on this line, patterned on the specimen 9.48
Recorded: 10.10
